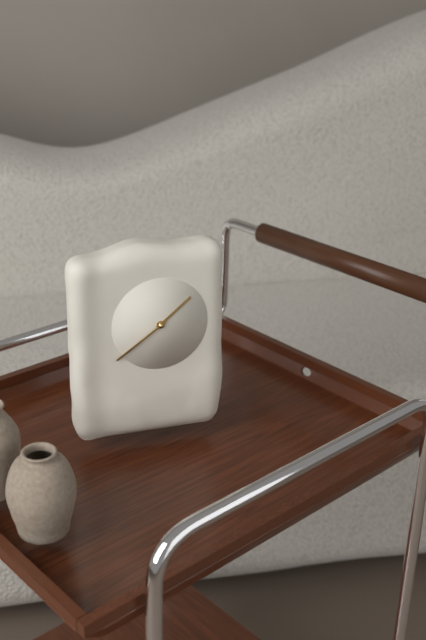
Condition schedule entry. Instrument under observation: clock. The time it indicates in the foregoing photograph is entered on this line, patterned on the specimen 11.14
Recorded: 1.39
